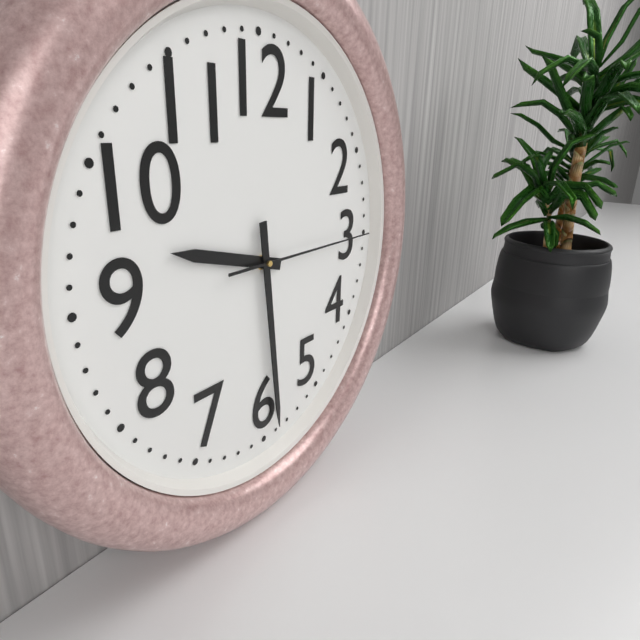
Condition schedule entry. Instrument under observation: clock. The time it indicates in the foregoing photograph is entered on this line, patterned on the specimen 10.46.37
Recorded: 9.29.15
